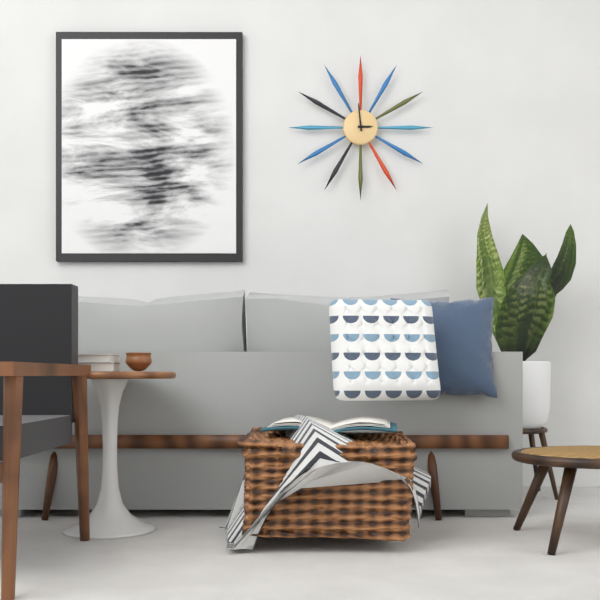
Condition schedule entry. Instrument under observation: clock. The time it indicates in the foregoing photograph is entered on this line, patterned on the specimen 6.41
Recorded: 2.59
